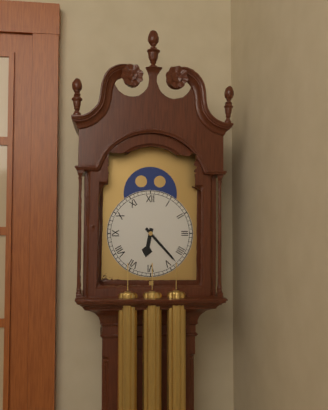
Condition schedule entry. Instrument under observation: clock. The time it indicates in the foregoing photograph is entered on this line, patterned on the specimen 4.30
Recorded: 6.23
